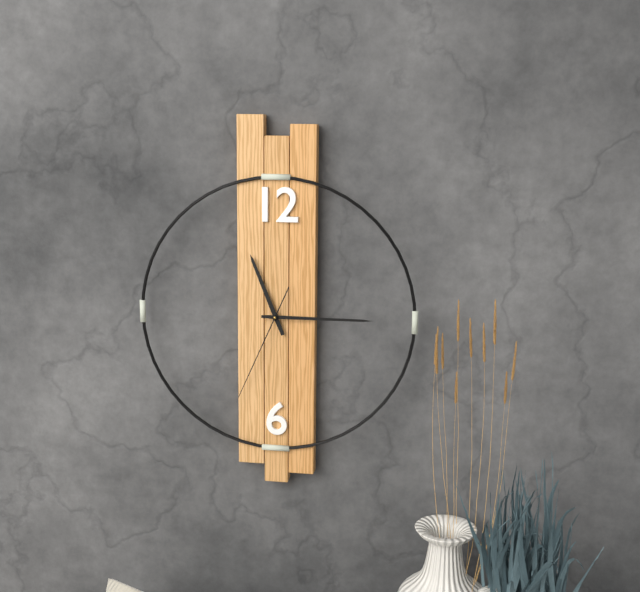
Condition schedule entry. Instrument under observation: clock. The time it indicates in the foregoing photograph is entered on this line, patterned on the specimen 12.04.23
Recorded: 11.15.34
